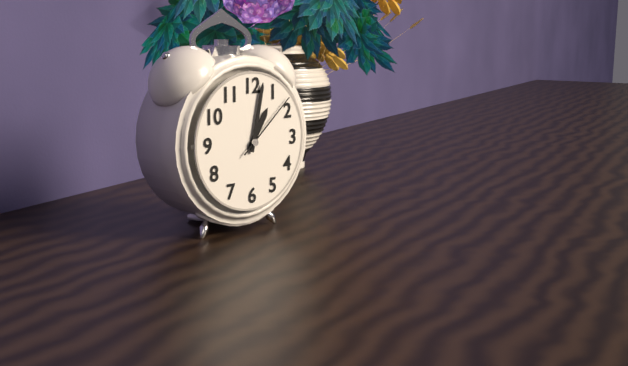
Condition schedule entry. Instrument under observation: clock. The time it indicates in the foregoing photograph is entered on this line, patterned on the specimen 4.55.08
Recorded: 1.02.08
